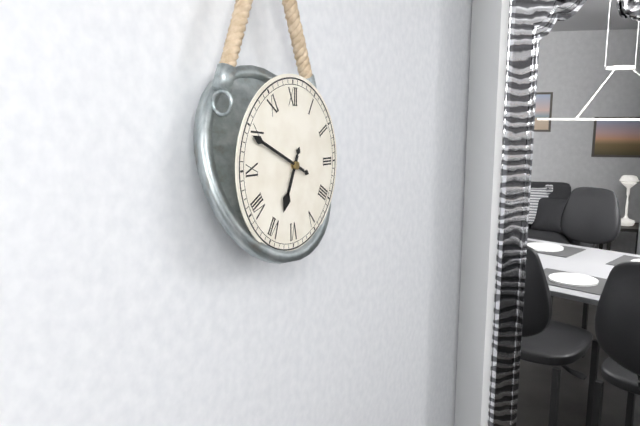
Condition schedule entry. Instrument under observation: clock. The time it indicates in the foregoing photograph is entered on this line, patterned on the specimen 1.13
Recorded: 6.49
